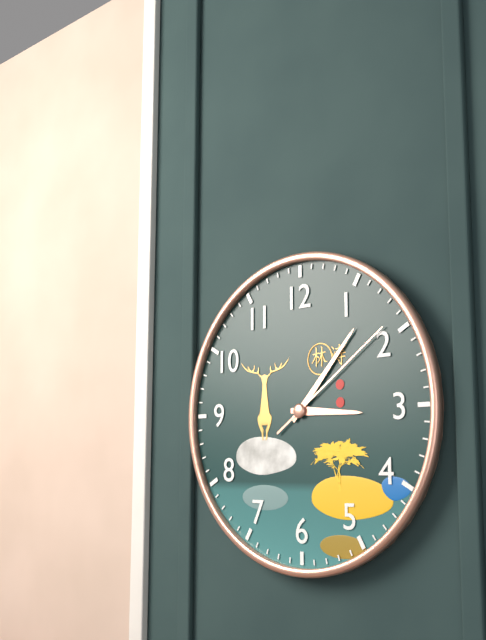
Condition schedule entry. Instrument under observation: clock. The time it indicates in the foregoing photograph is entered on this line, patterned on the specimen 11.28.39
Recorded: 3.07.09
